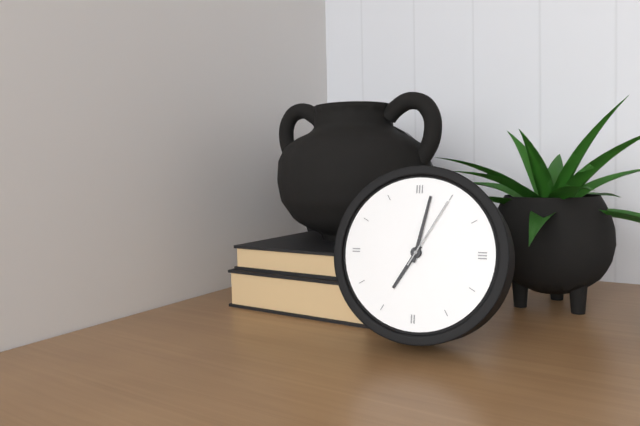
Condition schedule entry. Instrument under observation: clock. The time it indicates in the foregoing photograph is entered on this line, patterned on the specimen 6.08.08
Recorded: 7.02.05
